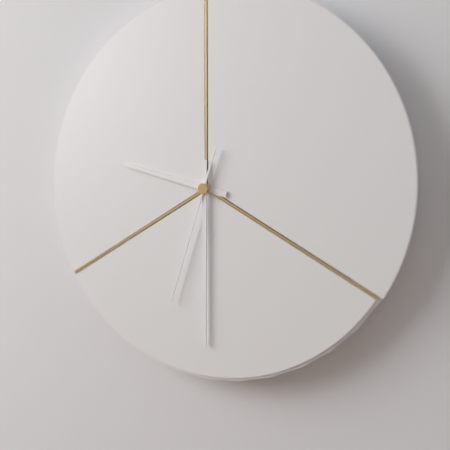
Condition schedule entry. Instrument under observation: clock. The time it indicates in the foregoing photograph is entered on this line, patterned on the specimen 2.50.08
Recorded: 9.30.33
